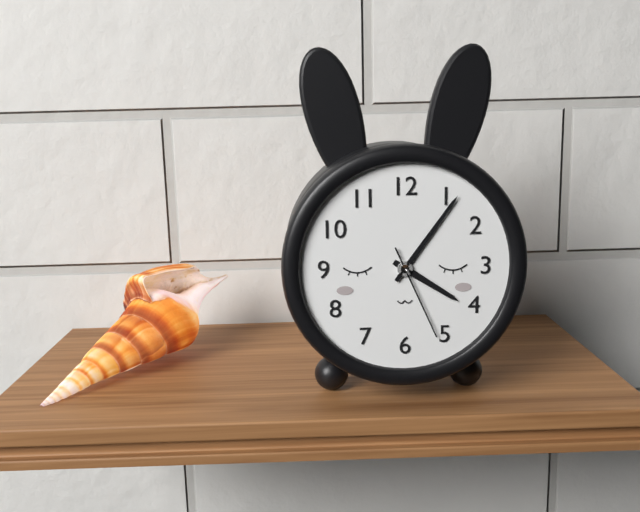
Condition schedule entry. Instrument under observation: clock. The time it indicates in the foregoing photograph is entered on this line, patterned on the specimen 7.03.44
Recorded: 4.06.26
